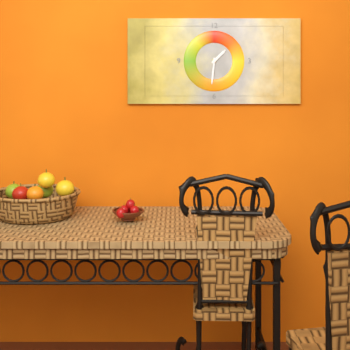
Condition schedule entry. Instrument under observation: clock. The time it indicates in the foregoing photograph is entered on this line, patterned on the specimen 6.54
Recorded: 1.31
